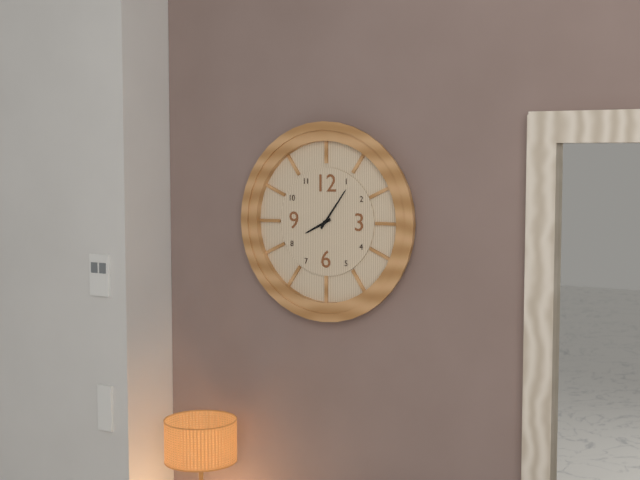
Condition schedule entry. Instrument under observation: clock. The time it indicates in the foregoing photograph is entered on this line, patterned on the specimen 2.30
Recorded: 8.06
